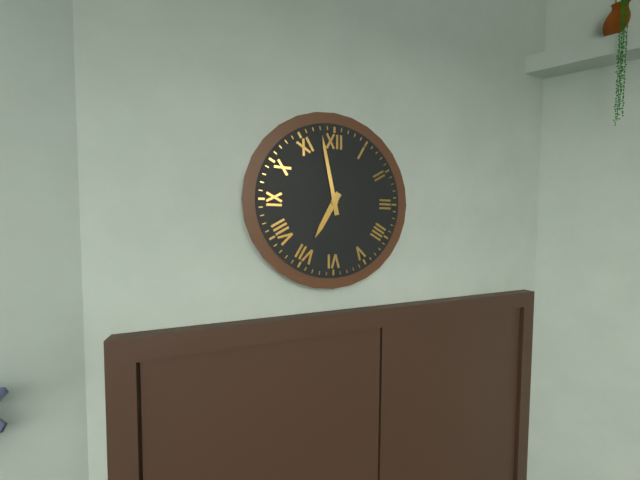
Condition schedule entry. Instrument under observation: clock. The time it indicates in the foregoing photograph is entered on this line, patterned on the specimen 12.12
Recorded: 6.58
